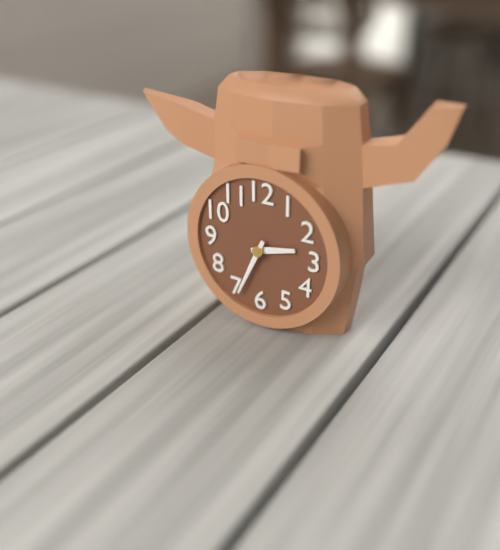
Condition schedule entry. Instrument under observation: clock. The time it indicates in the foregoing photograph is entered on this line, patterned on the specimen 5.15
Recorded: 2.34
